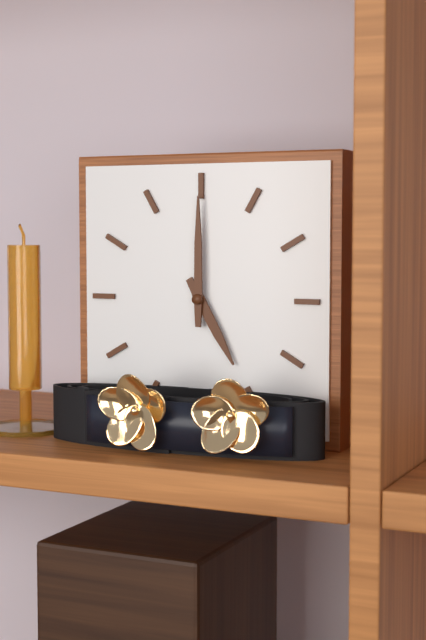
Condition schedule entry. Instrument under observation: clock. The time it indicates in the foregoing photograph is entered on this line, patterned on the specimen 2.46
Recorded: 5.00
